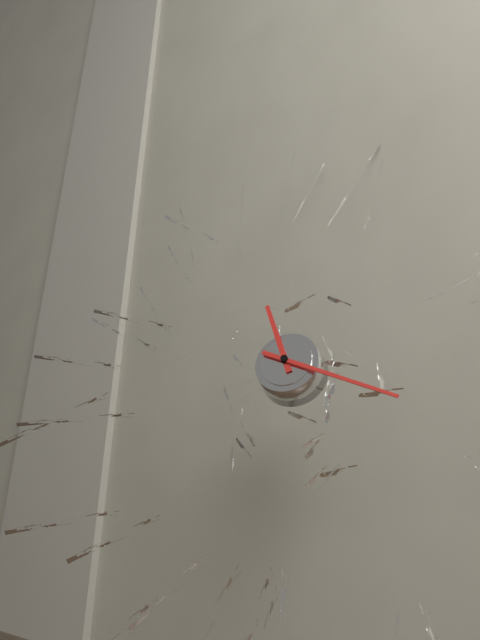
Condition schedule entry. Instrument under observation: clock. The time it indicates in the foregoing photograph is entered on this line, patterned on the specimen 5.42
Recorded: 11.19
